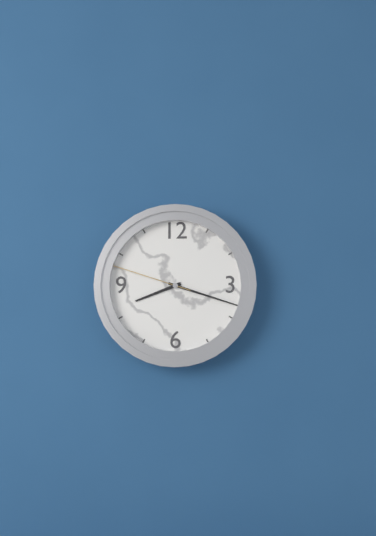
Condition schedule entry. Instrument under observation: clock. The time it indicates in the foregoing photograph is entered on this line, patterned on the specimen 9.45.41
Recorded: 8.18.48
